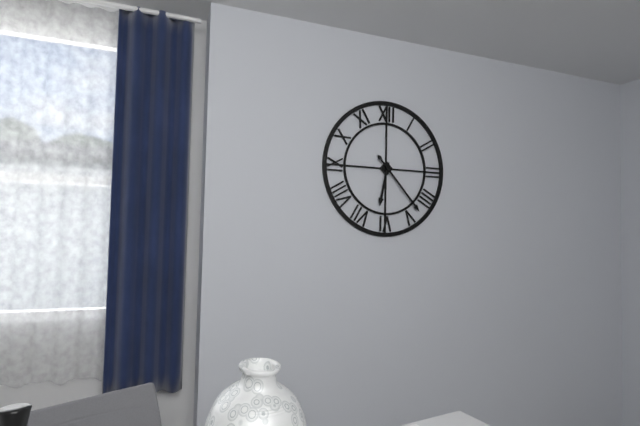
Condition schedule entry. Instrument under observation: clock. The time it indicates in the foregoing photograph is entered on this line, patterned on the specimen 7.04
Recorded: 6.23
